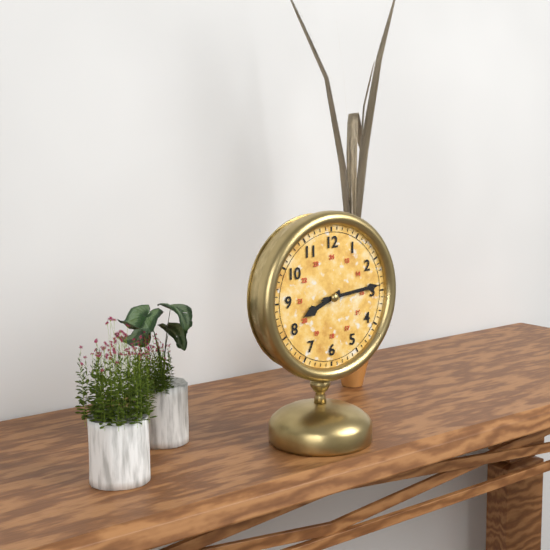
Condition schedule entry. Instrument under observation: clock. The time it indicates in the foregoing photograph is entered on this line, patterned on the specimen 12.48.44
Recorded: 8.14.14
